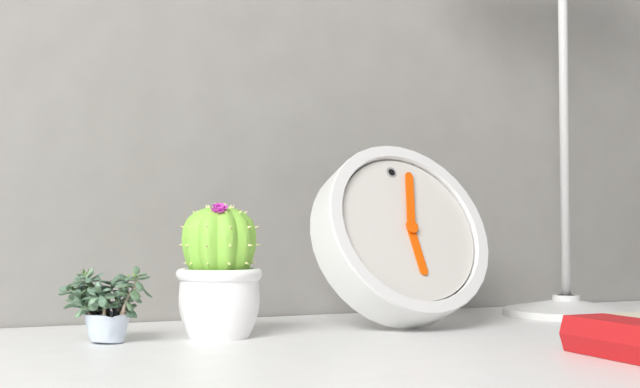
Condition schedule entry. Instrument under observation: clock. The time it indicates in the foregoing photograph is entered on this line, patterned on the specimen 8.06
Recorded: 6.03
